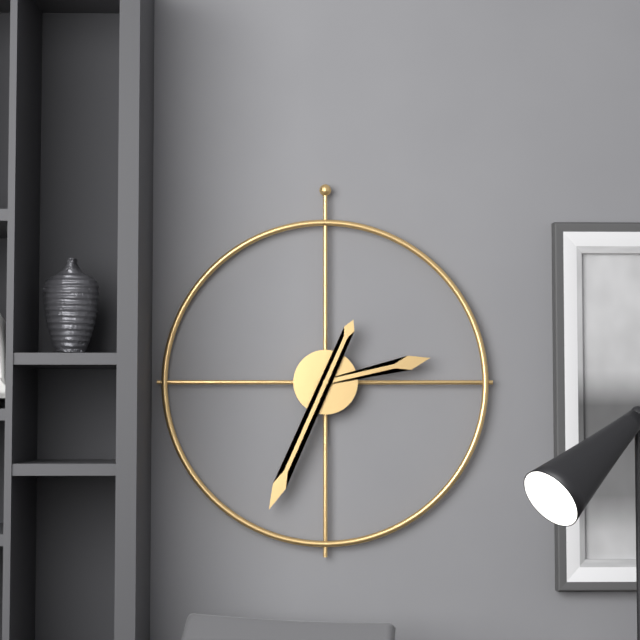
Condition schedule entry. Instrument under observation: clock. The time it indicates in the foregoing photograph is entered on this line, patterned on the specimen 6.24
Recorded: 2.34
